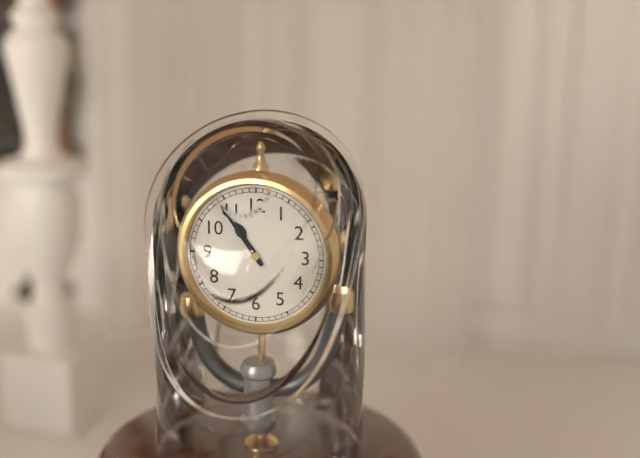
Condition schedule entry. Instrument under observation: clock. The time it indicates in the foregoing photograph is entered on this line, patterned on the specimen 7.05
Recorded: 10.54
